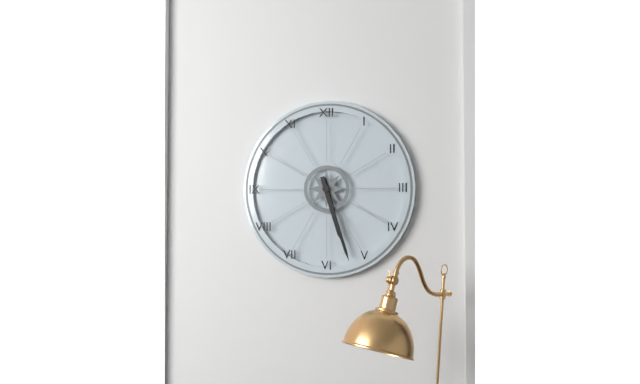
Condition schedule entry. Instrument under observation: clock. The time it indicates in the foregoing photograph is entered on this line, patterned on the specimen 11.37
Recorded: 5.27
